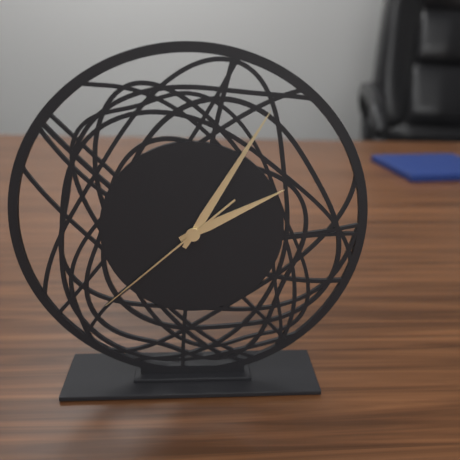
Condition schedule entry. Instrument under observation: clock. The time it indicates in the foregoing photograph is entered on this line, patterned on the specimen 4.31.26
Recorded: 2.05.38
